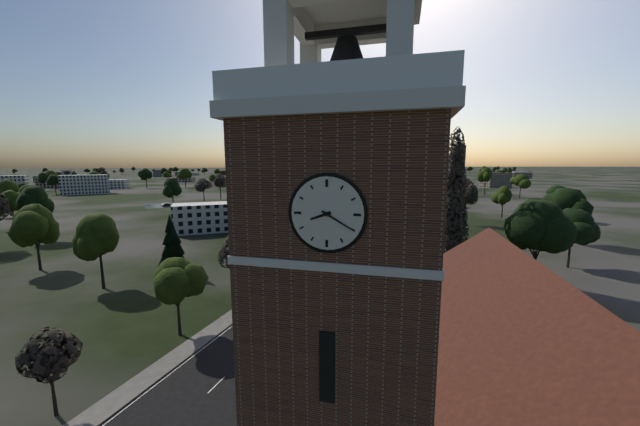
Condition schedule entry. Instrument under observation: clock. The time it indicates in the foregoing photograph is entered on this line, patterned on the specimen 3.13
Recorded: 8.20
